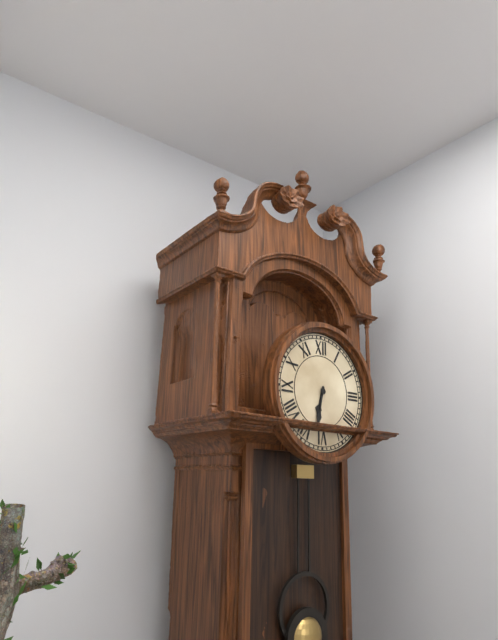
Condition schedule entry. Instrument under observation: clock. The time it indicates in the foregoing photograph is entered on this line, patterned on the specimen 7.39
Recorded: 6.32
